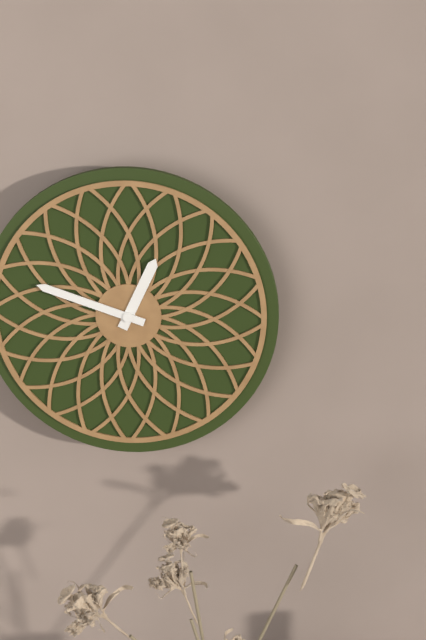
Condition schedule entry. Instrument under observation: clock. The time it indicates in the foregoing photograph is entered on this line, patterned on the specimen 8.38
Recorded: 12.48
